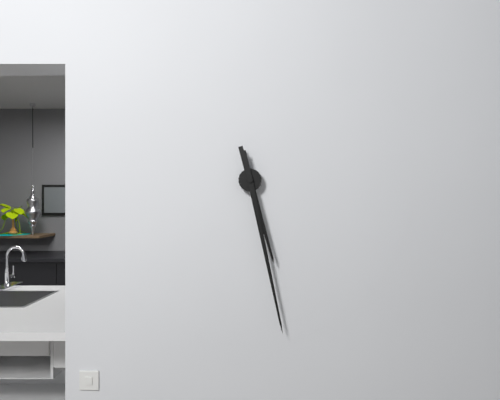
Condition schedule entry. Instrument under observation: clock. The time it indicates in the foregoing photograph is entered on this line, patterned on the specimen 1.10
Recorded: 5.28
